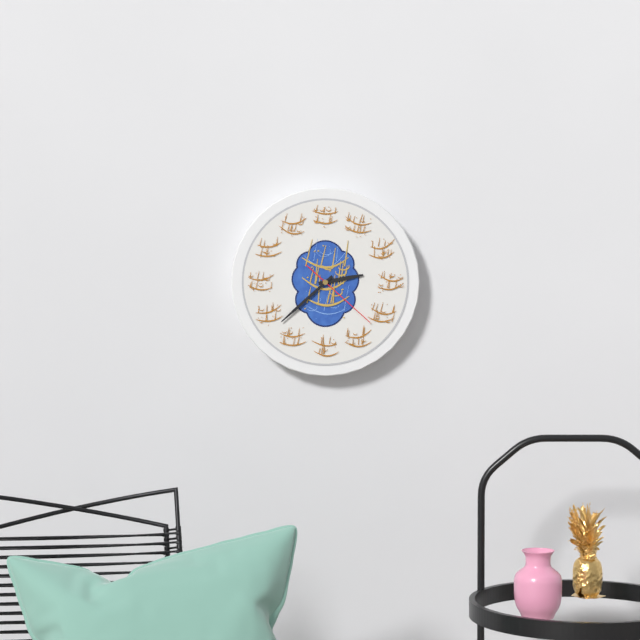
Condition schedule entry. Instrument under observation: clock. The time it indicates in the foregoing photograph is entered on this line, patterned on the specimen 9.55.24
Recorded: 2.38.22
